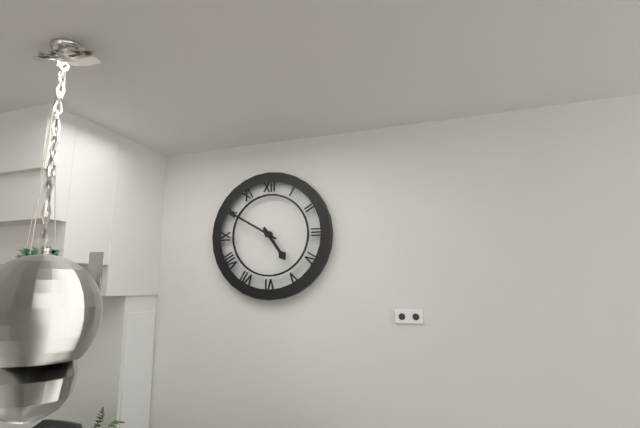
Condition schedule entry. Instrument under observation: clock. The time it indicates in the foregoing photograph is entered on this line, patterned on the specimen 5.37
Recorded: 4.50
